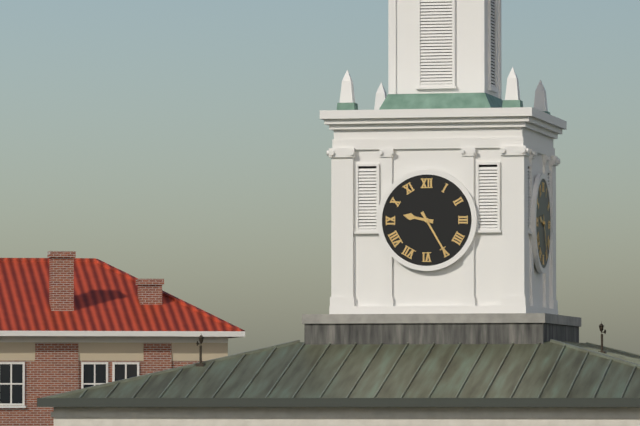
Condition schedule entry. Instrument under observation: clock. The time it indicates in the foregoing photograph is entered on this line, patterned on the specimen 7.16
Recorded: 9.25
